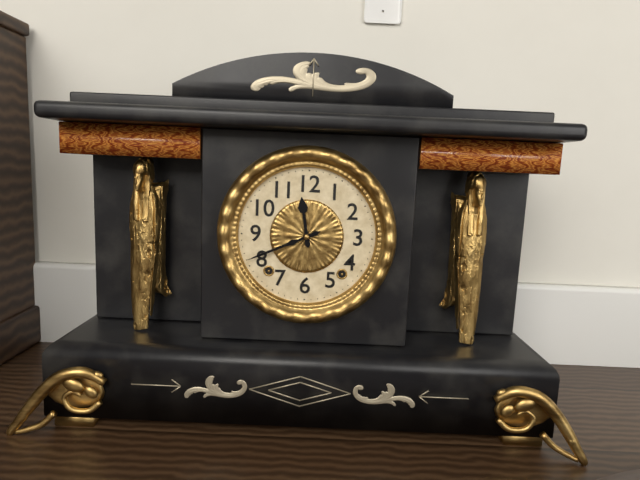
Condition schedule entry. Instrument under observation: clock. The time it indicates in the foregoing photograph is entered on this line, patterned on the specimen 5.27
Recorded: 11.41
